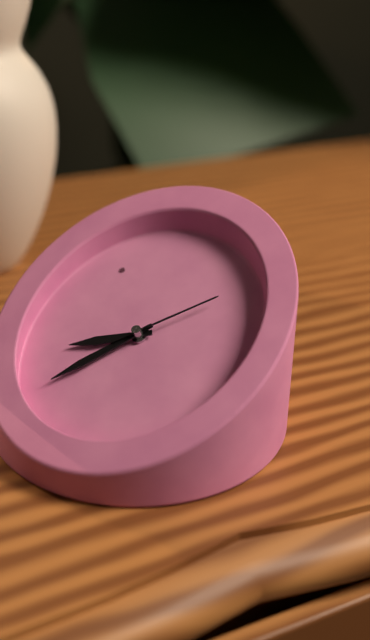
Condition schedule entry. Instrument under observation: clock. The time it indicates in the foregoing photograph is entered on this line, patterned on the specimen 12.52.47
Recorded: 10.50.21
